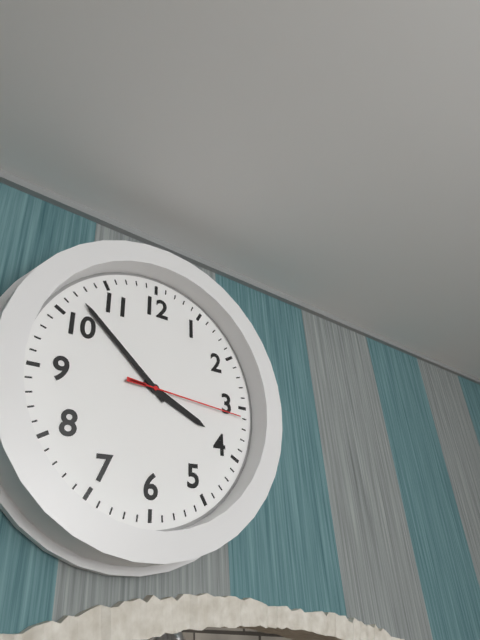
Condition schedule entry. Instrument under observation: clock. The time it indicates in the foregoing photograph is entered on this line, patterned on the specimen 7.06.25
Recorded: 3.52.16
